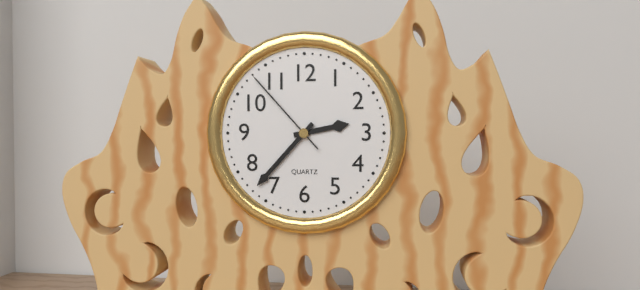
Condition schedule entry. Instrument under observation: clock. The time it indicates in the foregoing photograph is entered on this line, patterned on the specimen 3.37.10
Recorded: 2.37.53
